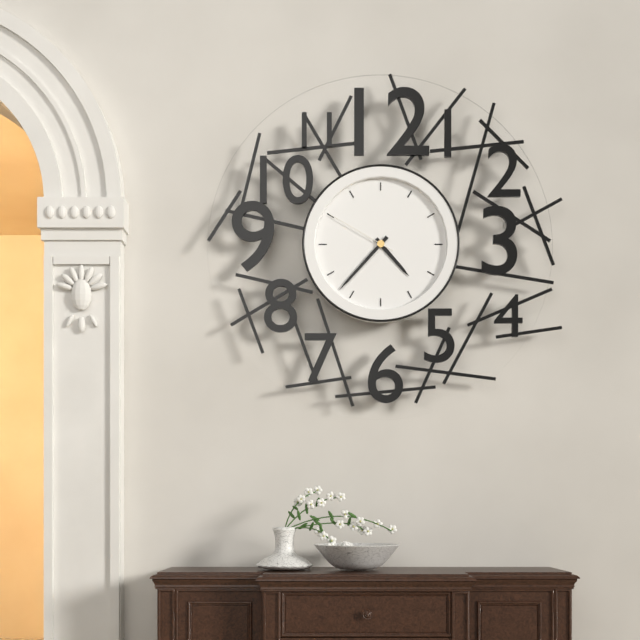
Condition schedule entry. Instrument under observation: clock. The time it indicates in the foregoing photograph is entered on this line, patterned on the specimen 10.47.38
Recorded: 4.37.50
